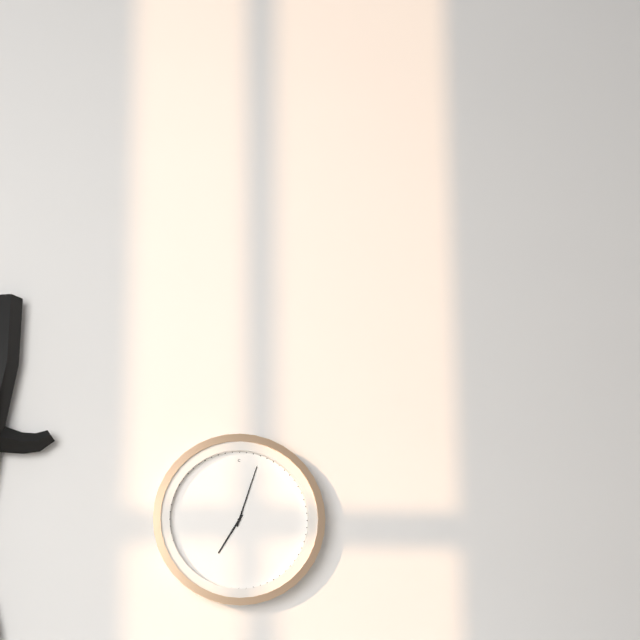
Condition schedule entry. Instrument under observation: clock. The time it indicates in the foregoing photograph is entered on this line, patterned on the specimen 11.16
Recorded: 7.03
